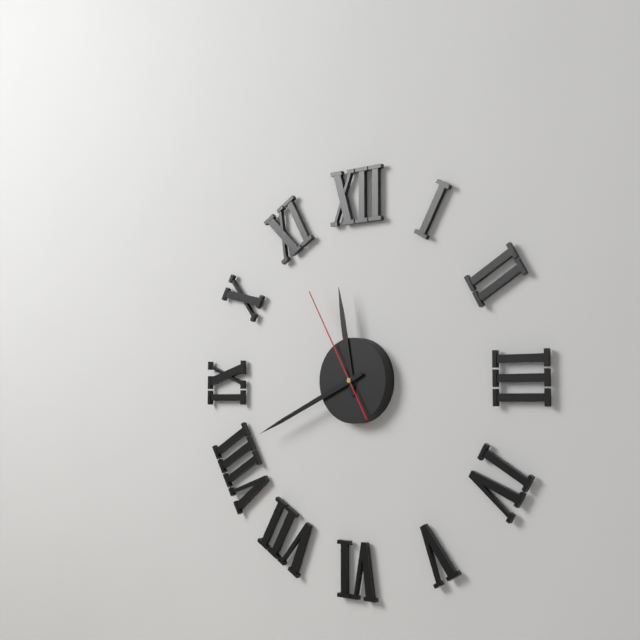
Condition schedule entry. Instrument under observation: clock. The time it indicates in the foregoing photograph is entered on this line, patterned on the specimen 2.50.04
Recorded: 11.41.55
